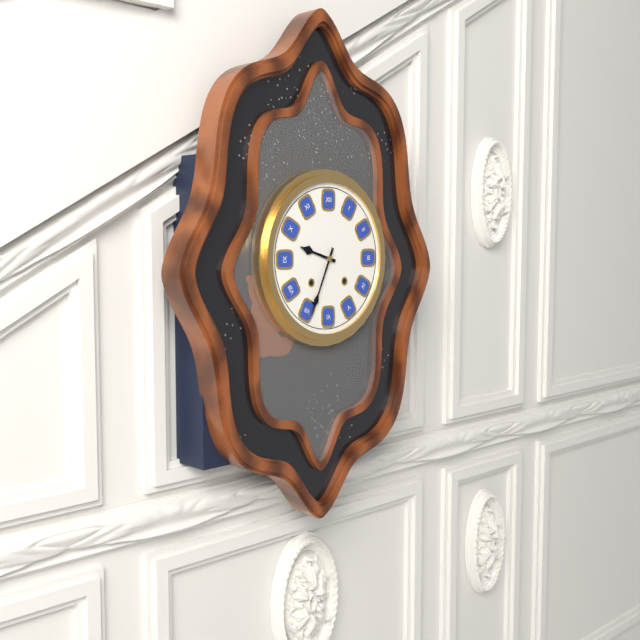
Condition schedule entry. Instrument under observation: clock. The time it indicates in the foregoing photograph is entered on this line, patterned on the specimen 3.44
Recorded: 9.34
